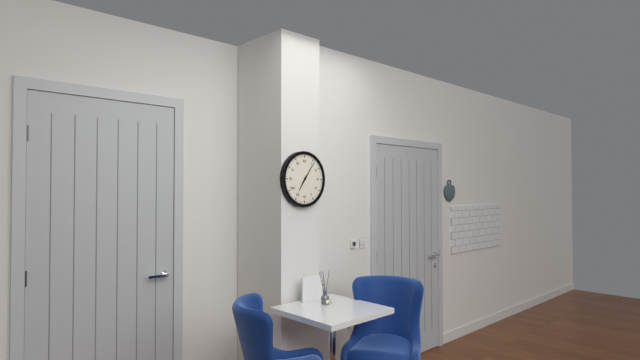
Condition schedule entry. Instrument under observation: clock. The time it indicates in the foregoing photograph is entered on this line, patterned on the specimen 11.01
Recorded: 7.06
